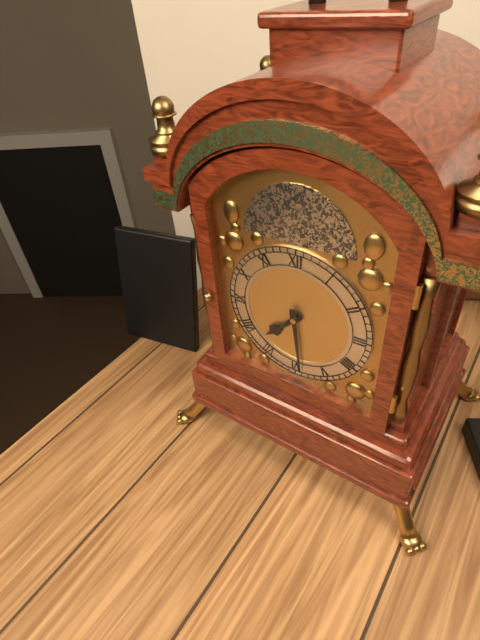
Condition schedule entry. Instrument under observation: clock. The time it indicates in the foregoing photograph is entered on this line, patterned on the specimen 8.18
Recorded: 7.29
